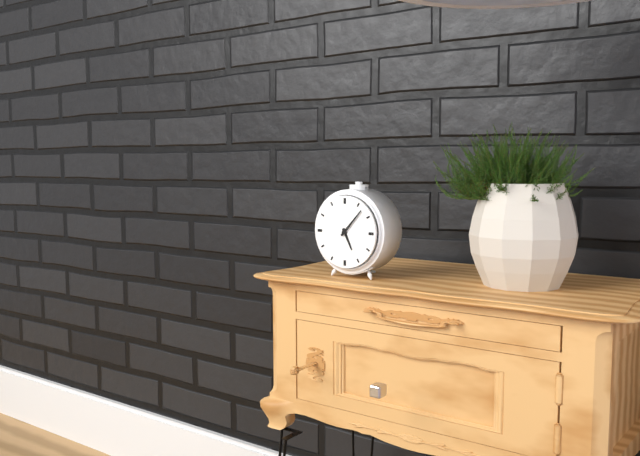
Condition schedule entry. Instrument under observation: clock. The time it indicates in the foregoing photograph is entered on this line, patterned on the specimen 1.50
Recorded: 5.07
